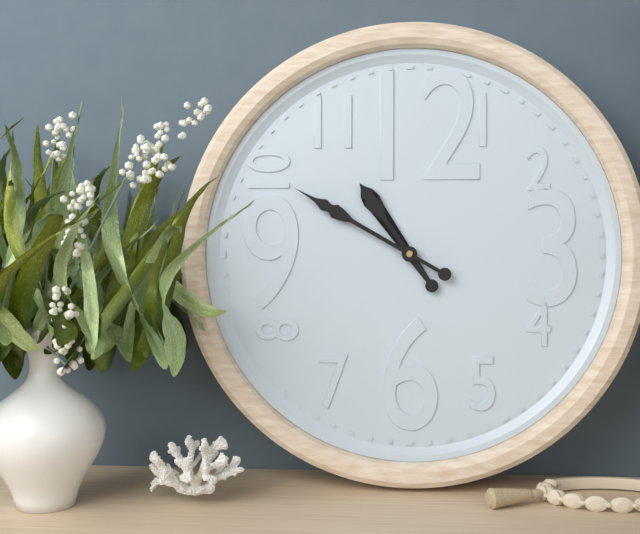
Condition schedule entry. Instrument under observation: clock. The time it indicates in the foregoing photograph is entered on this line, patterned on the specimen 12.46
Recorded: 10.50
